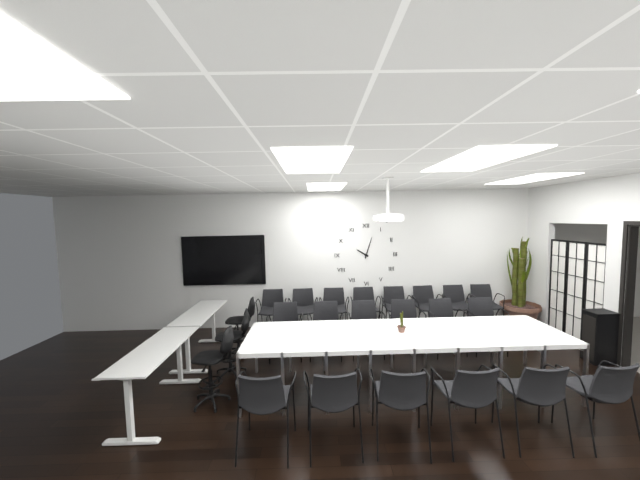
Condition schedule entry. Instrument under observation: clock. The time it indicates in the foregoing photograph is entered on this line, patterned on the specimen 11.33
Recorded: 10.03
